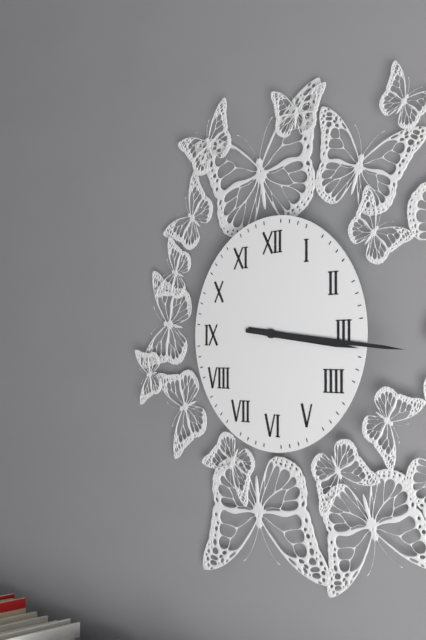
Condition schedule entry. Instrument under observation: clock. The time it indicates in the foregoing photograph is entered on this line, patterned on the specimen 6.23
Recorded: 3.16
